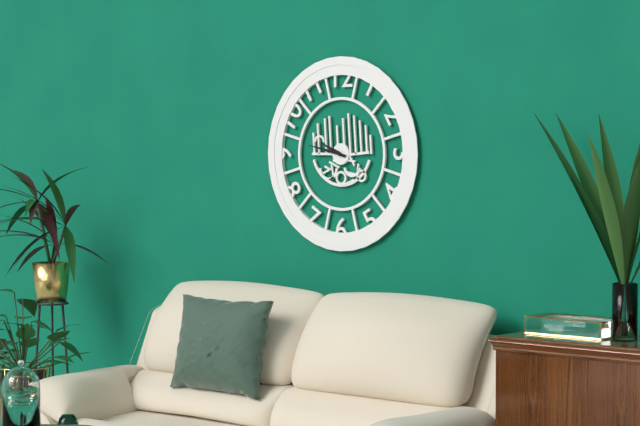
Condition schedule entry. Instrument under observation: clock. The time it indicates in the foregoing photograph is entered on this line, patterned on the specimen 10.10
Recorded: 9.47
